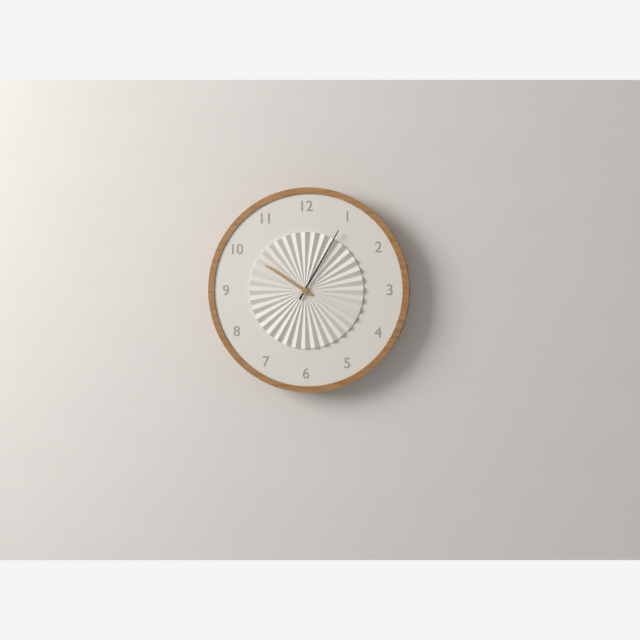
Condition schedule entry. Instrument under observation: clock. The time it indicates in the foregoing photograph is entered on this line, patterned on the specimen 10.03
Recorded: 10.05
